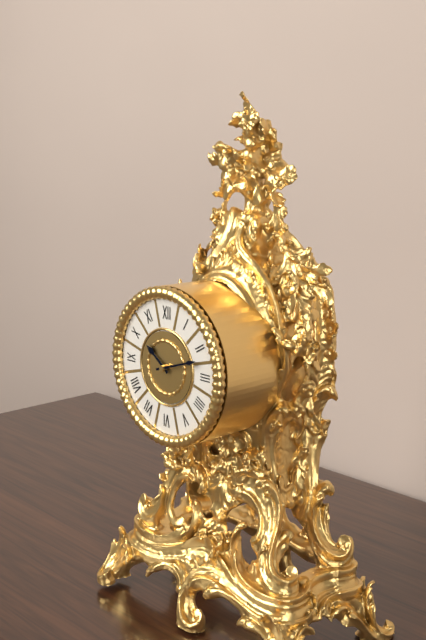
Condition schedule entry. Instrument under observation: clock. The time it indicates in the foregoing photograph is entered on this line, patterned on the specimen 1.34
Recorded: 10.12
